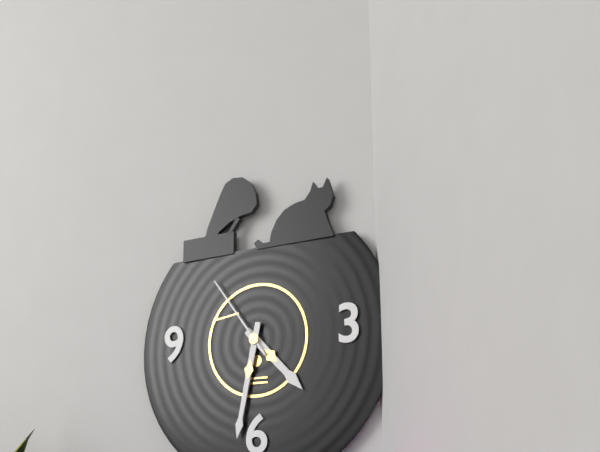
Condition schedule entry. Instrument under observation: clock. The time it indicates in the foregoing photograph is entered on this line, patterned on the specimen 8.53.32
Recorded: 4.32.54
